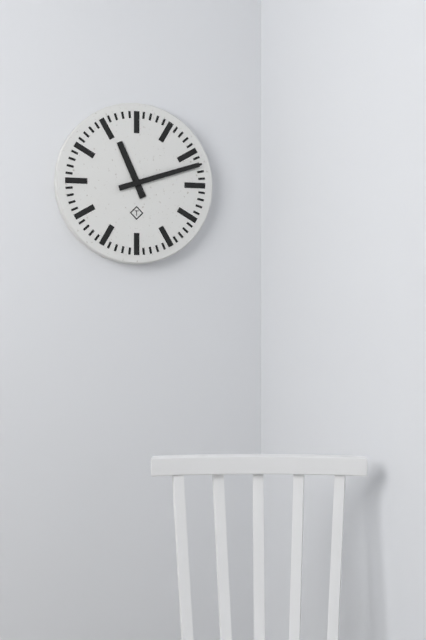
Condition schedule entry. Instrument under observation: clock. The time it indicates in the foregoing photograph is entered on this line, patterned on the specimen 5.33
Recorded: 11.12
